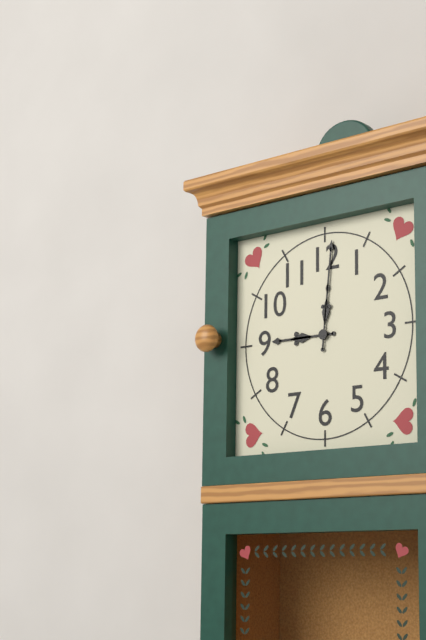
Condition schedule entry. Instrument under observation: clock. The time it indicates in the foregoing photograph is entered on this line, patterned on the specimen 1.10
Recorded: 9.01
